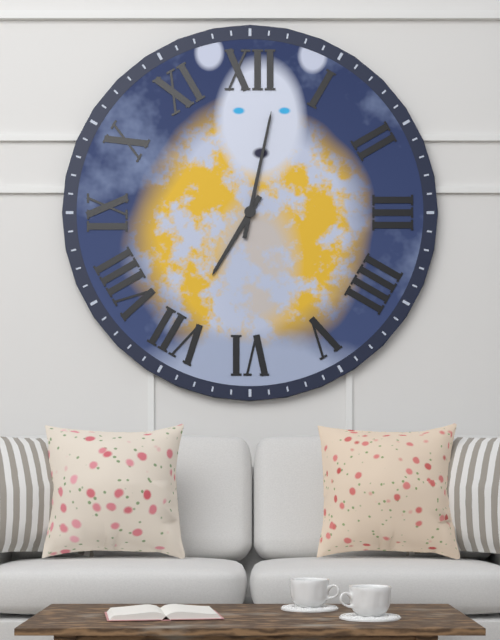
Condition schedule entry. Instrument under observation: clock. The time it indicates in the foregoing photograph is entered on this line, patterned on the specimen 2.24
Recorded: 7.02
